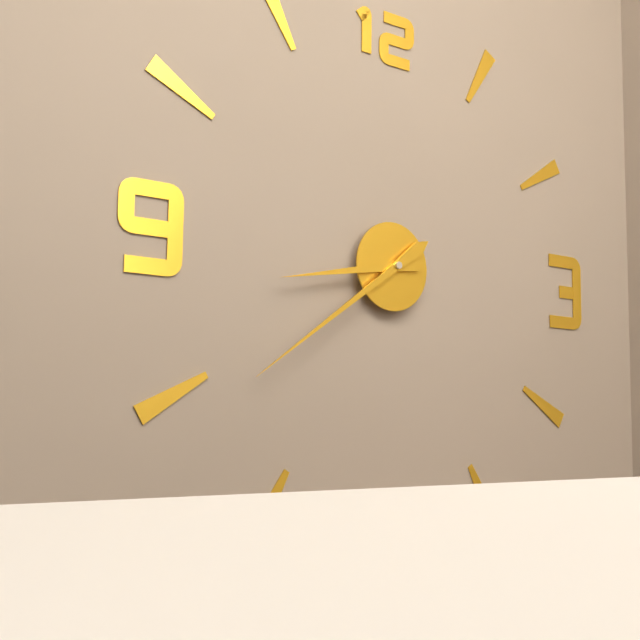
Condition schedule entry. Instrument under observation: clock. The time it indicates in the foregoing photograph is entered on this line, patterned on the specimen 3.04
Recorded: 8.39
